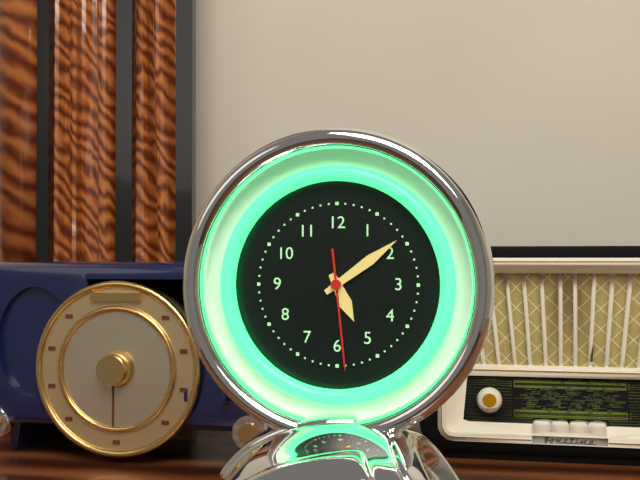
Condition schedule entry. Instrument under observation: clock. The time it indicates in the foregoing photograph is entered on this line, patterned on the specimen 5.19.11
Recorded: 5.09.29
